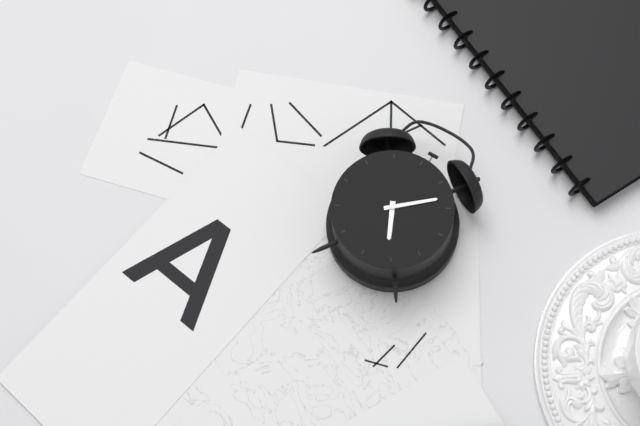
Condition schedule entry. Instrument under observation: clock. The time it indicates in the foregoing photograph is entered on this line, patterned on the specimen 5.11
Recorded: 5.08
